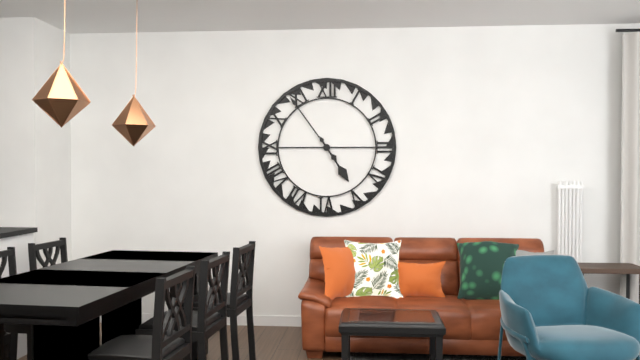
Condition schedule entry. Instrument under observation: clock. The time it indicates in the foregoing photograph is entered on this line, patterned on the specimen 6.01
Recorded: 4.54
